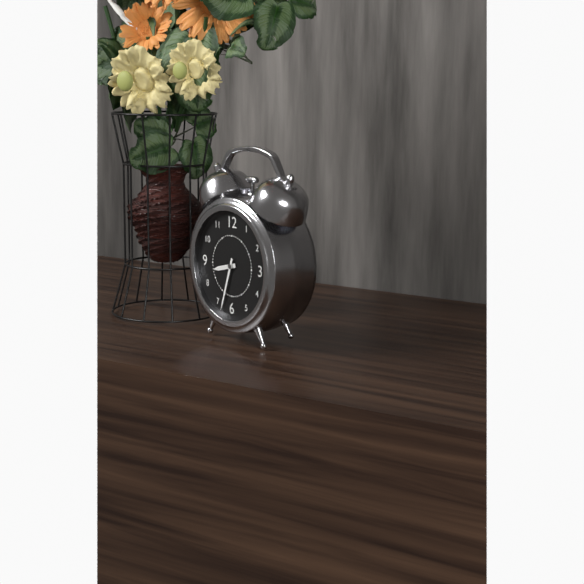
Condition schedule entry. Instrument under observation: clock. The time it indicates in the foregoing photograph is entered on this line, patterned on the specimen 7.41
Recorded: 8.33
